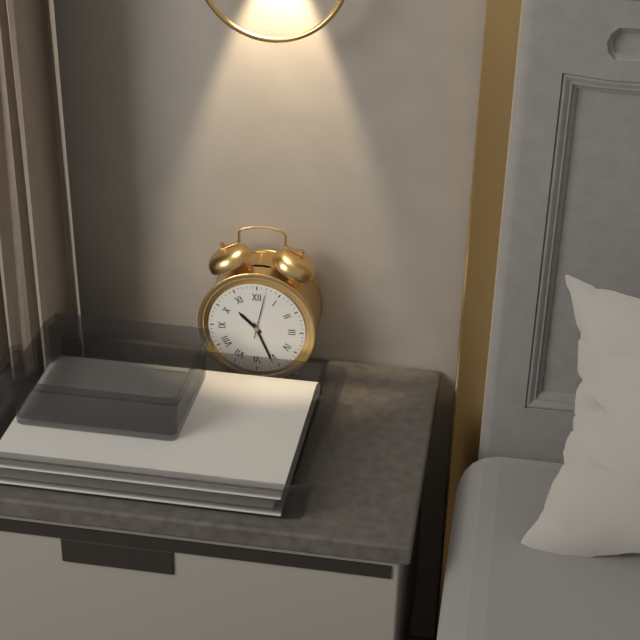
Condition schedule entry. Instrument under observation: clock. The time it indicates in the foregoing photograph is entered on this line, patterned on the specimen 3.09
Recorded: 10.26
